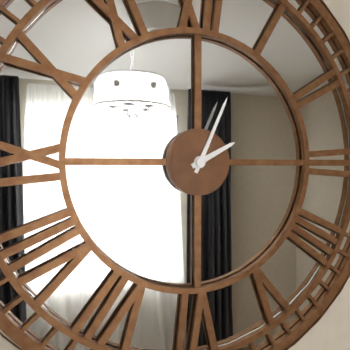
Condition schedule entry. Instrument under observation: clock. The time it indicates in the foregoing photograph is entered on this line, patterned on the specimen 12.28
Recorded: 2.04
